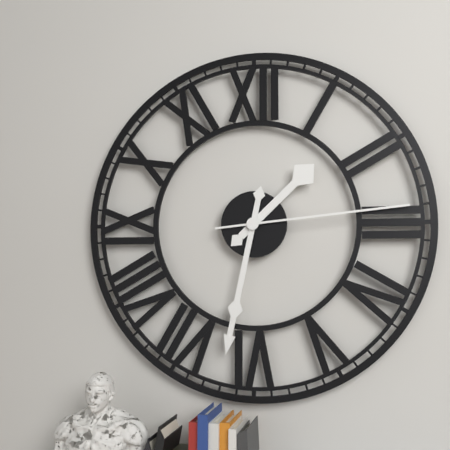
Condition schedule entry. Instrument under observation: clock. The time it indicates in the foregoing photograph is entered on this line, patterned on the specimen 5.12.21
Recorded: 1.32.14
